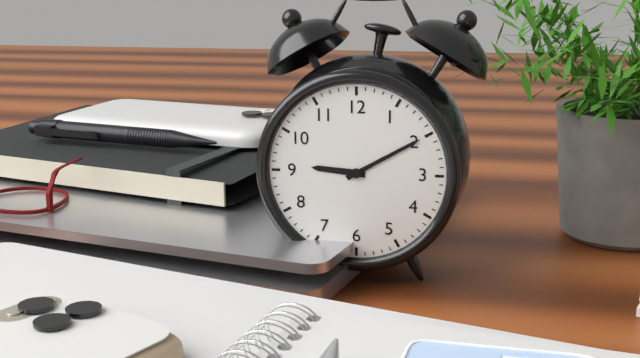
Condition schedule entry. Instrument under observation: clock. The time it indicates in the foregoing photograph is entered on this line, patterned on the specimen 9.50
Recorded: 9.10
